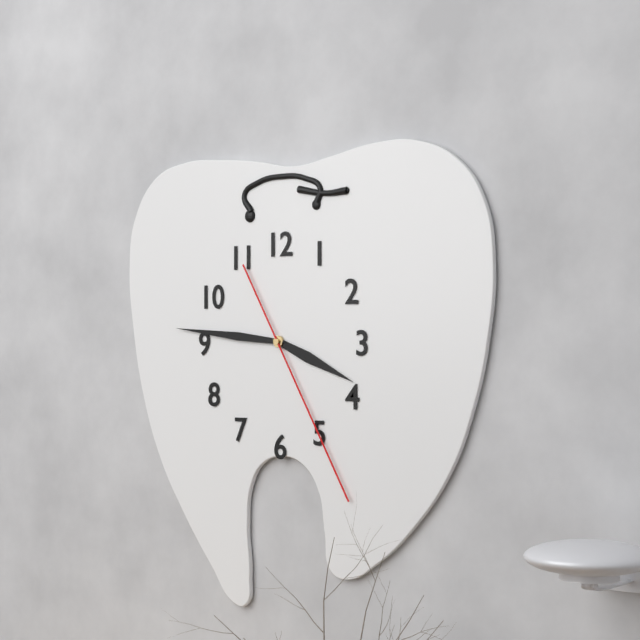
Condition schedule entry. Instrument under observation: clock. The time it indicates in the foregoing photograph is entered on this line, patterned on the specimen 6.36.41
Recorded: 3.46.25
